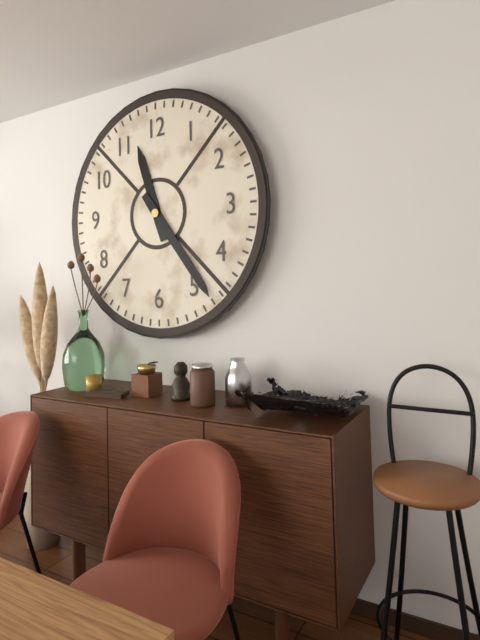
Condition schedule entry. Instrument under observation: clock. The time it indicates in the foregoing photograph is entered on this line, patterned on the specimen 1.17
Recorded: 11.24
